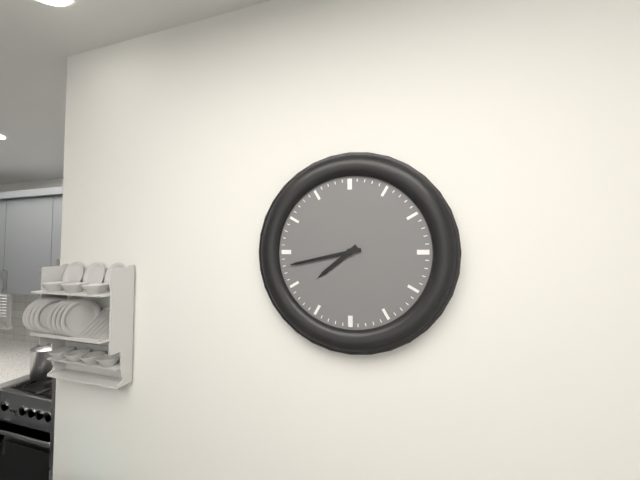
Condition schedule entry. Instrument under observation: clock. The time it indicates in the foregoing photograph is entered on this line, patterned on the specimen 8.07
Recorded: 7.43
